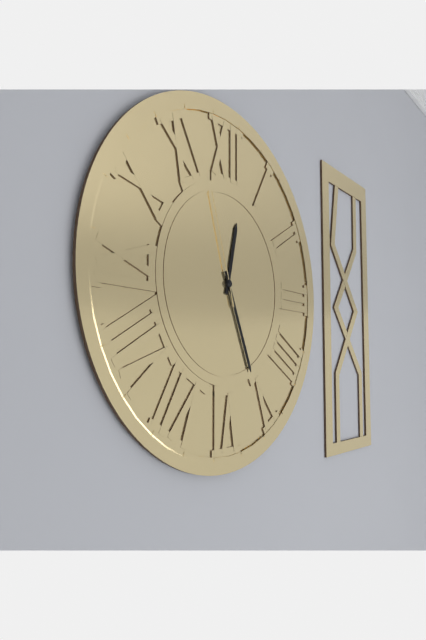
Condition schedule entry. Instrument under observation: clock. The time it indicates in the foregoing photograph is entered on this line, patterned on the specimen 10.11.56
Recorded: 12.26.57
